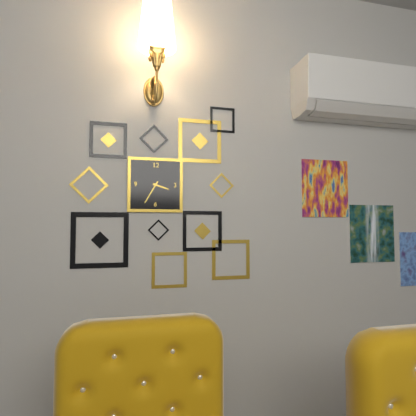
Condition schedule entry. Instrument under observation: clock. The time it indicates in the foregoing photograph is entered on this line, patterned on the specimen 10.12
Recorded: 3.35
